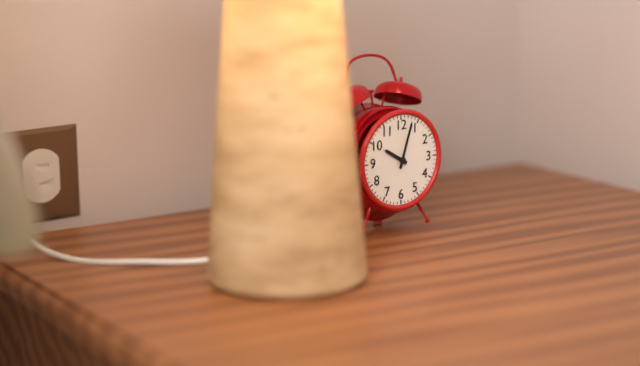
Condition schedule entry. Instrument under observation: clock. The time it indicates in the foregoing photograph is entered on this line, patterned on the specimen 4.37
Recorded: 10.03
